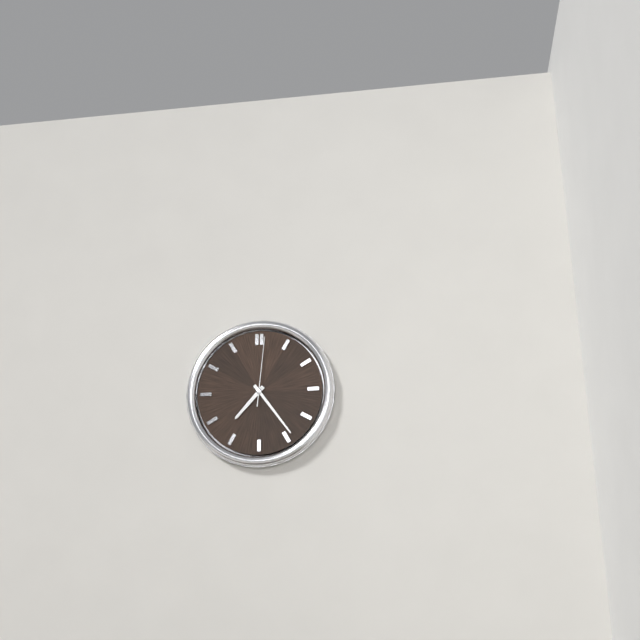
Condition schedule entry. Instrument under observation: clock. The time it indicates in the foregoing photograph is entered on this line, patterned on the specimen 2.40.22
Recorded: 7.24.01
